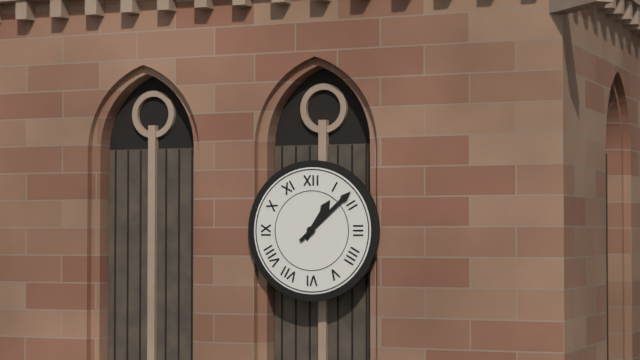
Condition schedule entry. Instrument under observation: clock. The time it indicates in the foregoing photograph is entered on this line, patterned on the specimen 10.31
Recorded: 1.08
